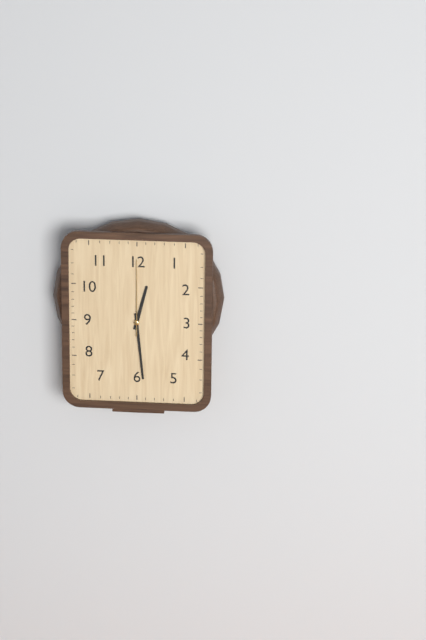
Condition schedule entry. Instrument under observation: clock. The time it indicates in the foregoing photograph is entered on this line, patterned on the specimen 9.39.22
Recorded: 12.29.00
